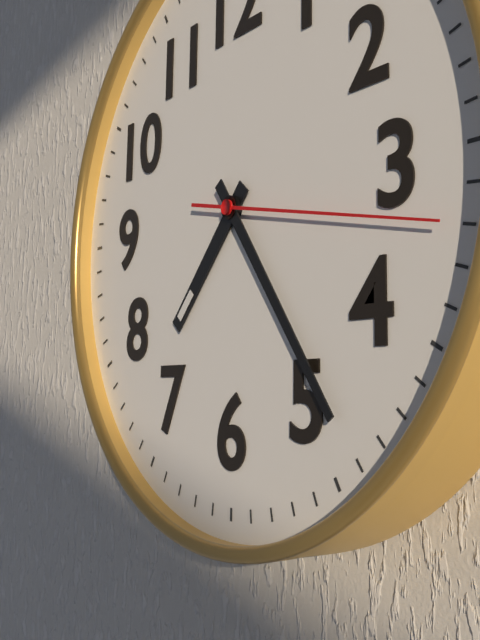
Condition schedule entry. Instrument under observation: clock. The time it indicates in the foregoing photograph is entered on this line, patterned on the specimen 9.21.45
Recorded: 7.24.17
